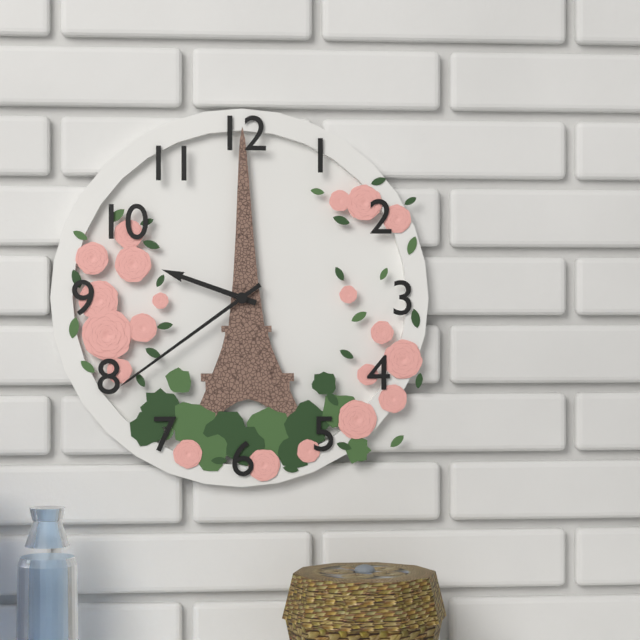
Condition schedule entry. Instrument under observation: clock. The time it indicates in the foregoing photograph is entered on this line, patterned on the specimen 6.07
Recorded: 9.39
